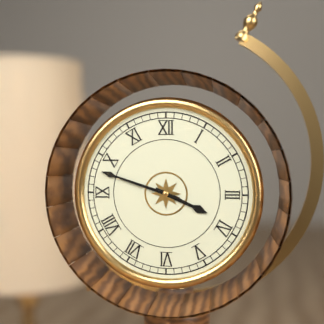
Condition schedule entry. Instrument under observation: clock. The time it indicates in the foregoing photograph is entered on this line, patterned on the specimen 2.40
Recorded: 3.48
